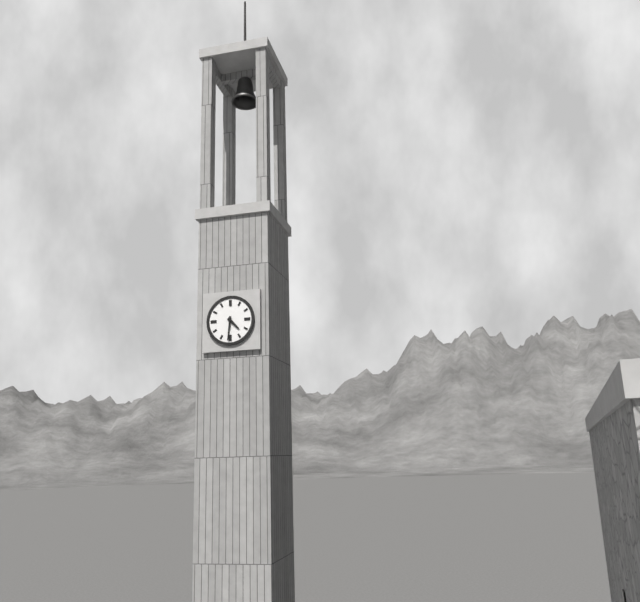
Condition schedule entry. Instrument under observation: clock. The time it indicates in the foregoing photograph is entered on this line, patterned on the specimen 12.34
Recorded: 4.31
